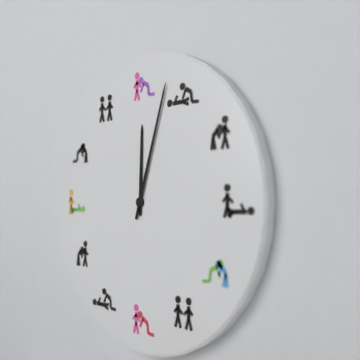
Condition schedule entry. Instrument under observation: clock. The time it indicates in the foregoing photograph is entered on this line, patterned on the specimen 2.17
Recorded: 12.03
